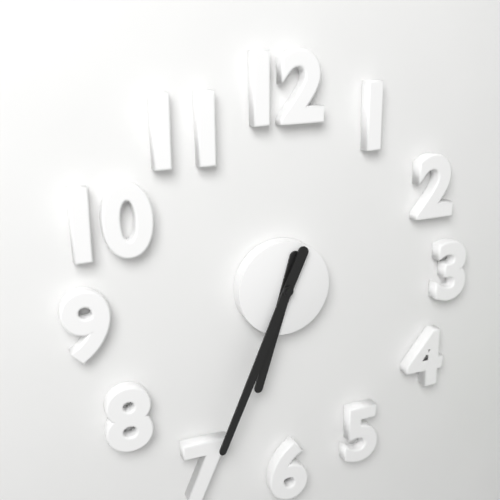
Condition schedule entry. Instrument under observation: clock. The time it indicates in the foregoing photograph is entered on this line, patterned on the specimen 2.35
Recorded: 6.34
